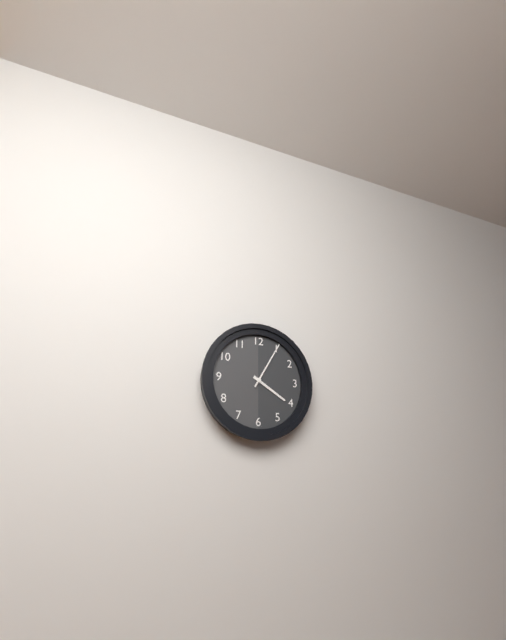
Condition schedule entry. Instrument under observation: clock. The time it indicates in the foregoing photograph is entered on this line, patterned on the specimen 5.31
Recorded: 4.05
